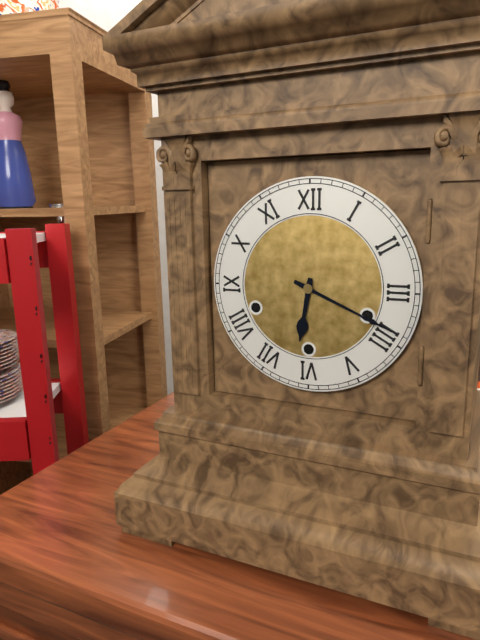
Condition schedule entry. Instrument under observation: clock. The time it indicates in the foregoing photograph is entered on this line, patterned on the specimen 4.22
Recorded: 6.19
